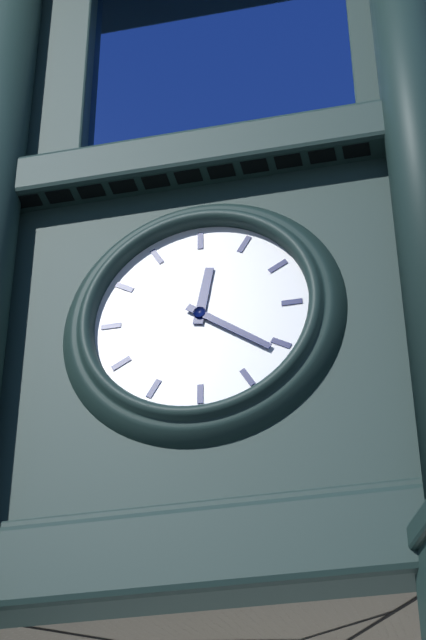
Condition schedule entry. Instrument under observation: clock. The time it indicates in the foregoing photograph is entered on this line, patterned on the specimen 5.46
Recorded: 12.21
